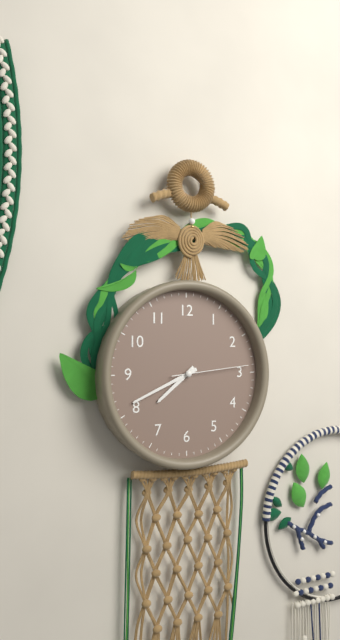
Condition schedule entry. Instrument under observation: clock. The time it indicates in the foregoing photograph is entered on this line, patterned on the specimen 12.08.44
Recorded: 7.41.14
